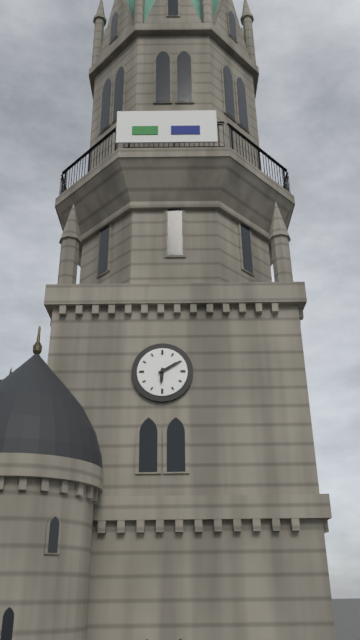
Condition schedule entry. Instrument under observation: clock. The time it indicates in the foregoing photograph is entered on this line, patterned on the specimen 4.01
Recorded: 6.10
